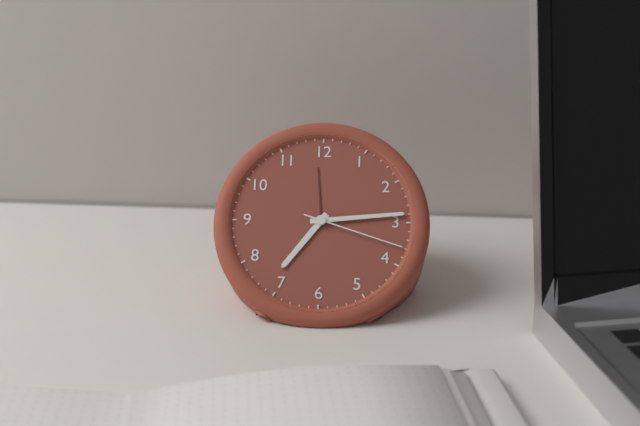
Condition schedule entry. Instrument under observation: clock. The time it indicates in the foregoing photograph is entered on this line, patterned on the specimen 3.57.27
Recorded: 7.14.18
